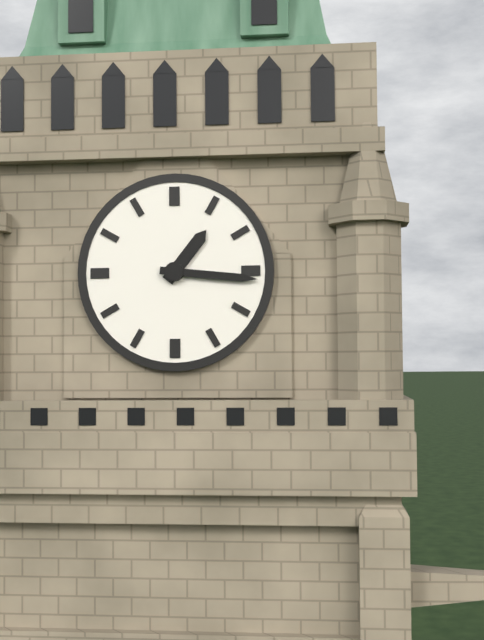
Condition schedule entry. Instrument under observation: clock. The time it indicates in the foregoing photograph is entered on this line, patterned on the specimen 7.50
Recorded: 1.16
